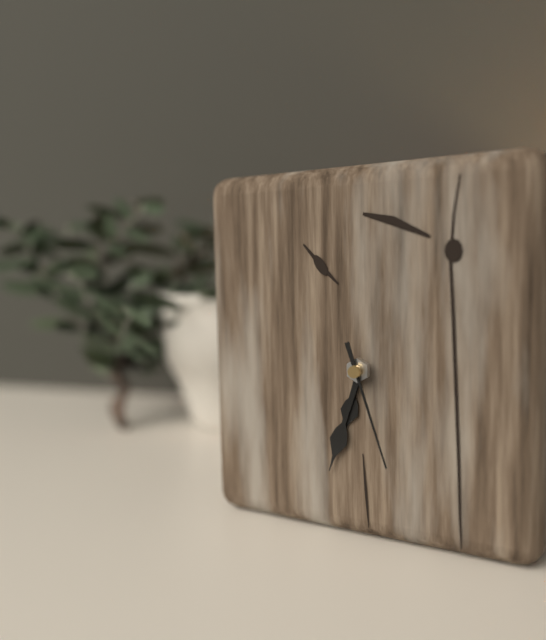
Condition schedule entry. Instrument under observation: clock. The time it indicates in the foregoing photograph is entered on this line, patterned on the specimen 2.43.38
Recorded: 6.33.27
